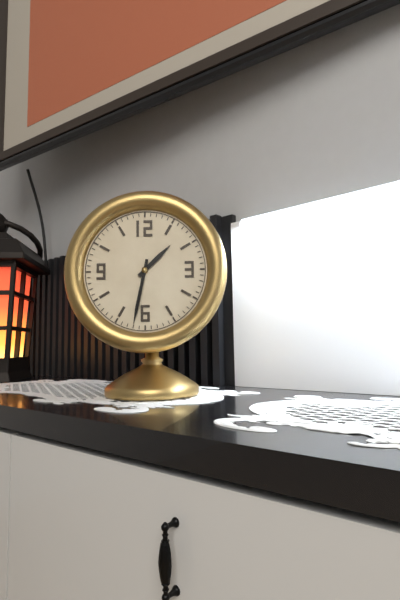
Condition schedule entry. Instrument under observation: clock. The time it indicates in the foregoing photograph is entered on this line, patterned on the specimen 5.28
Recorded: 1.32
